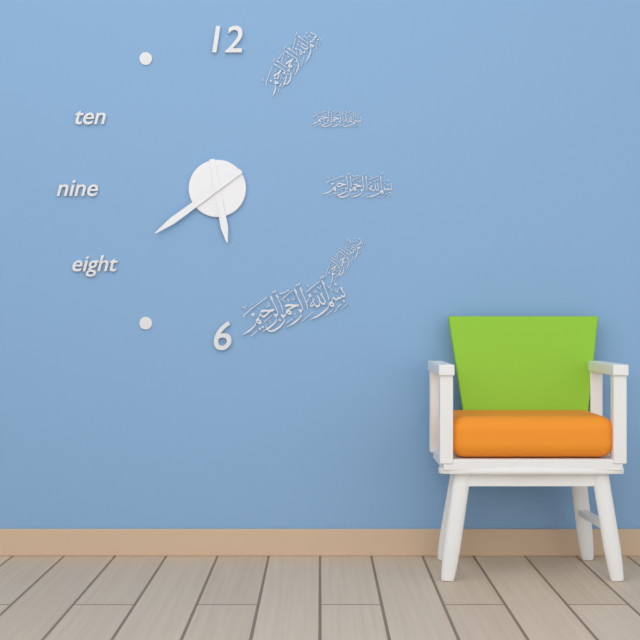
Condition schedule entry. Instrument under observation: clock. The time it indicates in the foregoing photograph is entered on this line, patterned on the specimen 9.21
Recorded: 5.39
